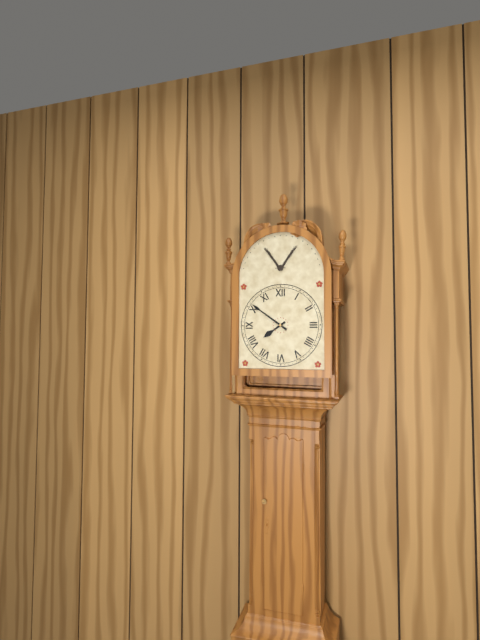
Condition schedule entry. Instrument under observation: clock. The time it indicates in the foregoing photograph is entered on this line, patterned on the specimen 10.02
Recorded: 7.51
